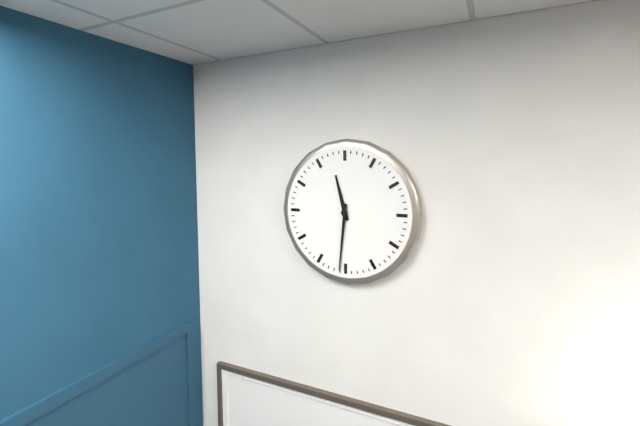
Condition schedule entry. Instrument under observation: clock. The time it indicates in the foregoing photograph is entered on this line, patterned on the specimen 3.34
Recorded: 11.31
